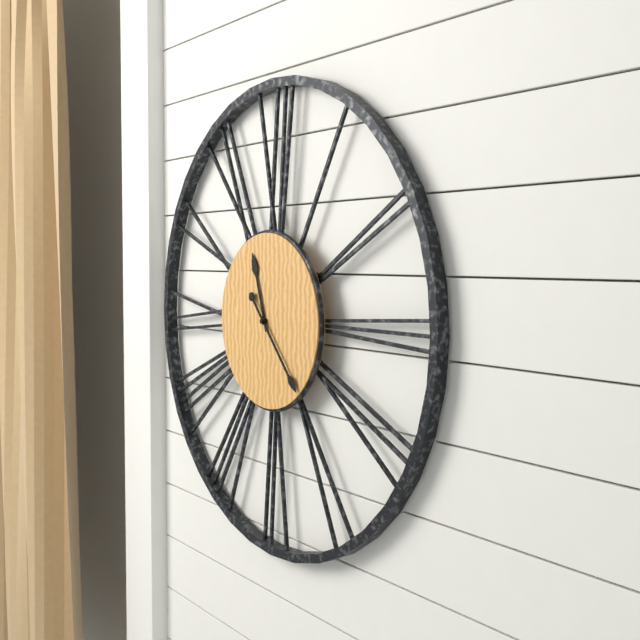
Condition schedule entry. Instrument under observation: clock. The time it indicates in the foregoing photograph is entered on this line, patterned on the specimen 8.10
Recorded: 11.23
